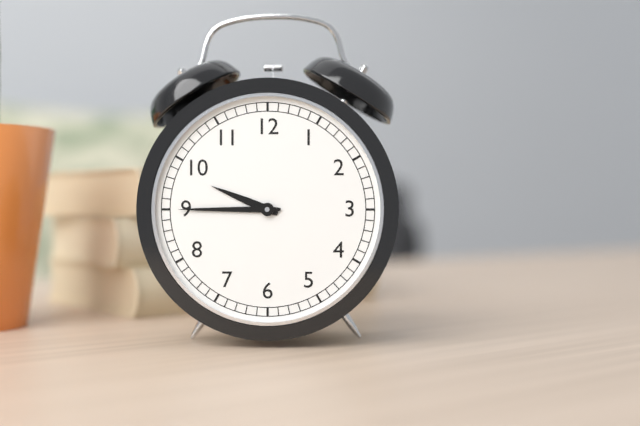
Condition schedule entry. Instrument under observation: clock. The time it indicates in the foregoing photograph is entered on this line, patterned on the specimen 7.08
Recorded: 9.45
